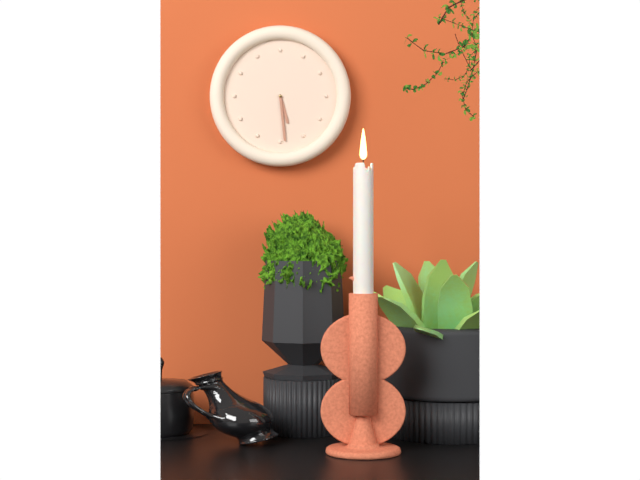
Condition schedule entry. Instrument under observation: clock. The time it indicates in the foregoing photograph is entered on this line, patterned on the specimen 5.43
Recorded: 5.29
